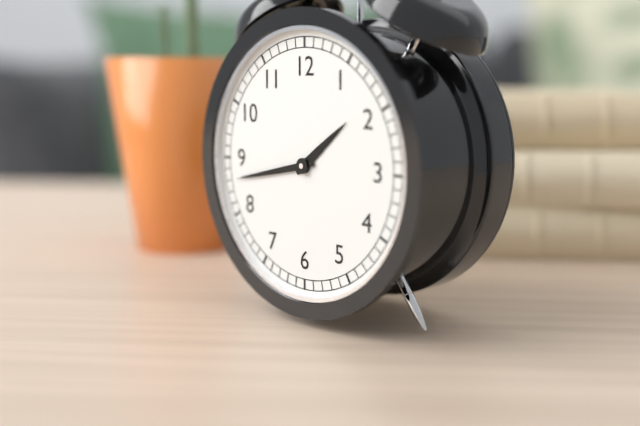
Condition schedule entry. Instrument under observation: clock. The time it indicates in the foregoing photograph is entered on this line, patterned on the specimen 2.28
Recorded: 1.43
